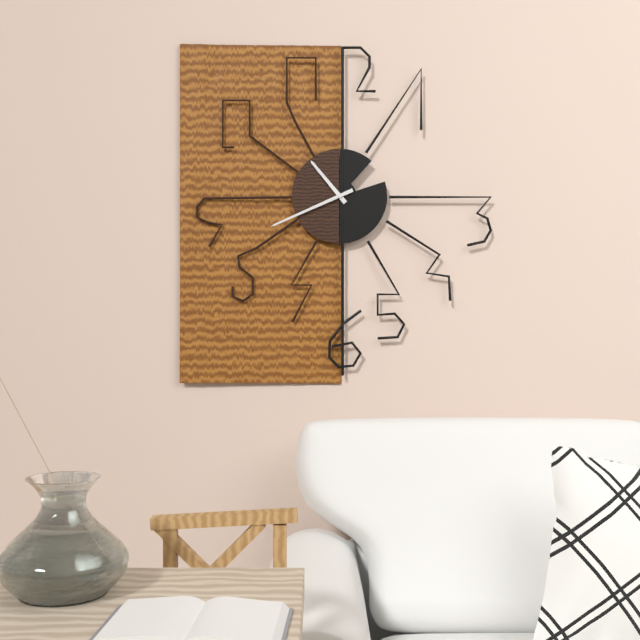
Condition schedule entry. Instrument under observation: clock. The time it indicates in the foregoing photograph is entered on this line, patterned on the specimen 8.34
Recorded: 10.41
